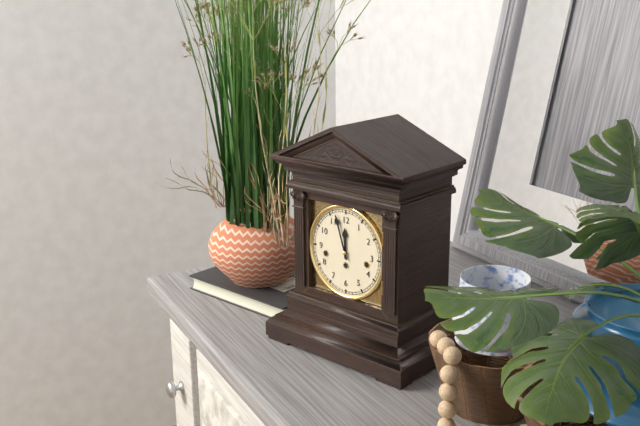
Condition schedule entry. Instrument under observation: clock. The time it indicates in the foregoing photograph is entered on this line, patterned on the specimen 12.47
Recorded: 11.57
